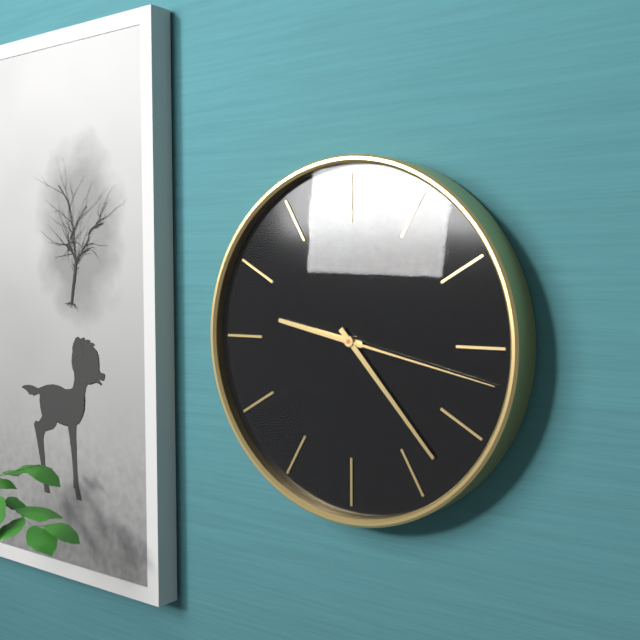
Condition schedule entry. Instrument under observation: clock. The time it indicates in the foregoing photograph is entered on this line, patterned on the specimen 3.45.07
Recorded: 9.23.17
